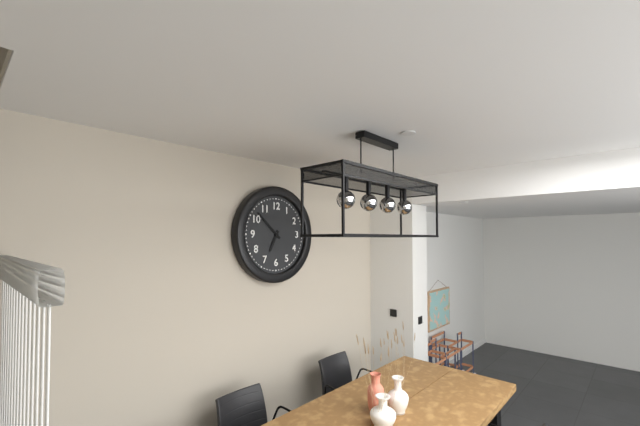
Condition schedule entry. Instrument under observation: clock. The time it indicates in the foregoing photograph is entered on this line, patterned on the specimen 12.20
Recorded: 6.52
